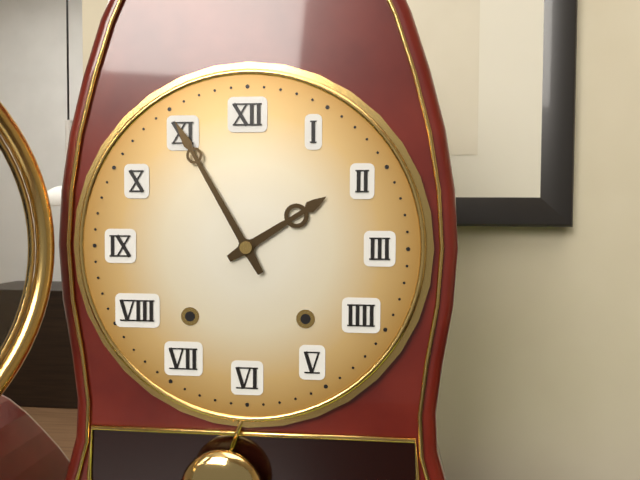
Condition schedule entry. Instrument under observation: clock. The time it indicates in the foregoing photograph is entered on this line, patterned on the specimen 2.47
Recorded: 1.55
